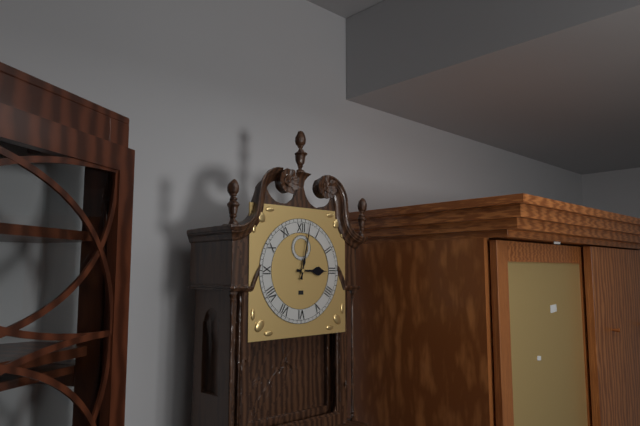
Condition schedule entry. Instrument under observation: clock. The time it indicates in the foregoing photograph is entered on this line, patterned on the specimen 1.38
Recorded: 3.02
